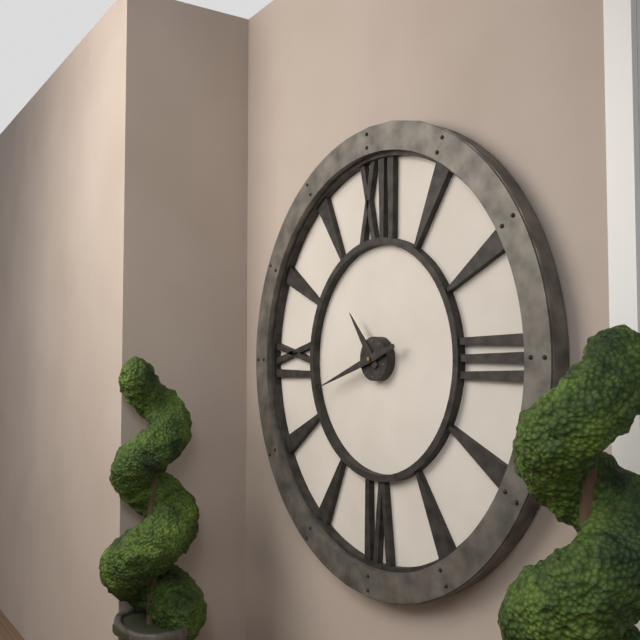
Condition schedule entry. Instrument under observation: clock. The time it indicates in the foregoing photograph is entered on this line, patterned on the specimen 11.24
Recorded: 10.42
